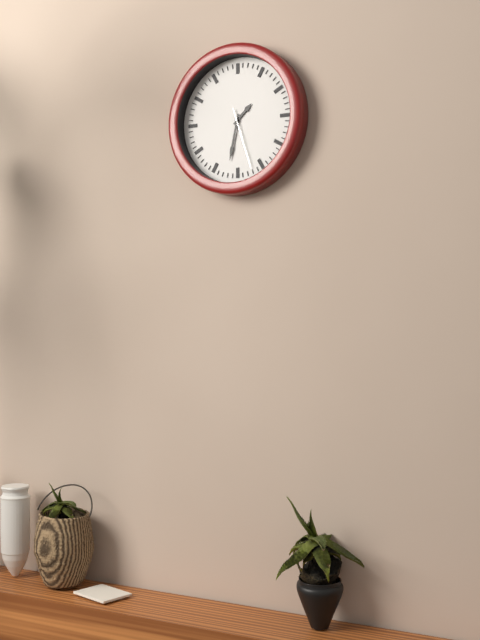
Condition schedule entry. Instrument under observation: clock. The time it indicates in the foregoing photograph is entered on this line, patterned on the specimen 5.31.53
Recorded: 1.32.27
